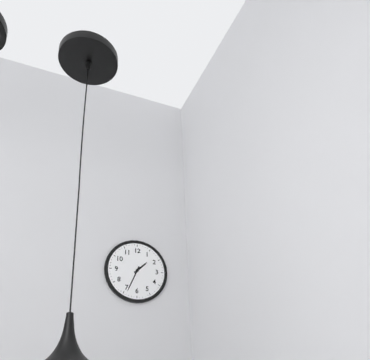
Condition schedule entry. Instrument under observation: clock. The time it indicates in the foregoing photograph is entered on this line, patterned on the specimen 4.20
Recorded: 1.34
